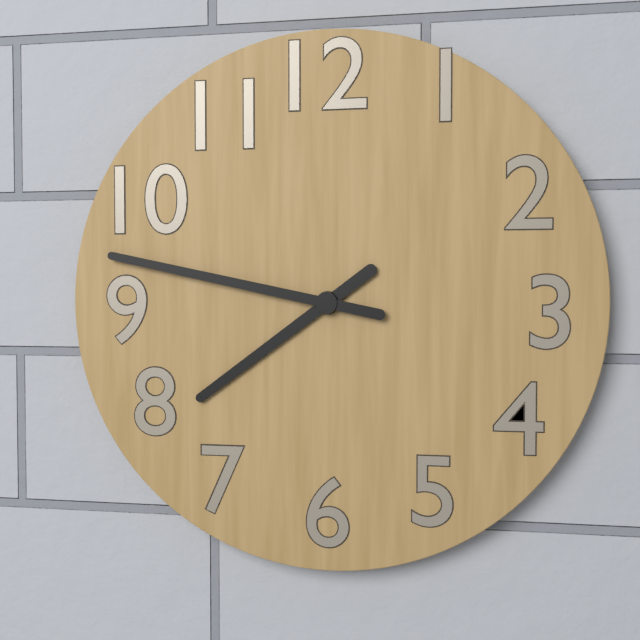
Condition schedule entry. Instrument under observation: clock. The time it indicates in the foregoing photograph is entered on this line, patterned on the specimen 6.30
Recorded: 7.47
